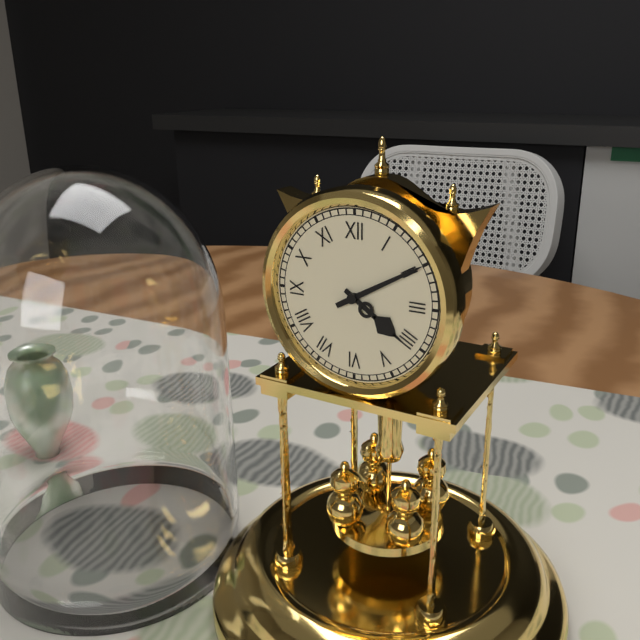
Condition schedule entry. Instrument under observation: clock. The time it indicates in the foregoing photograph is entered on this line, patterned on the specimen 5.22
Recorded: 4.10
